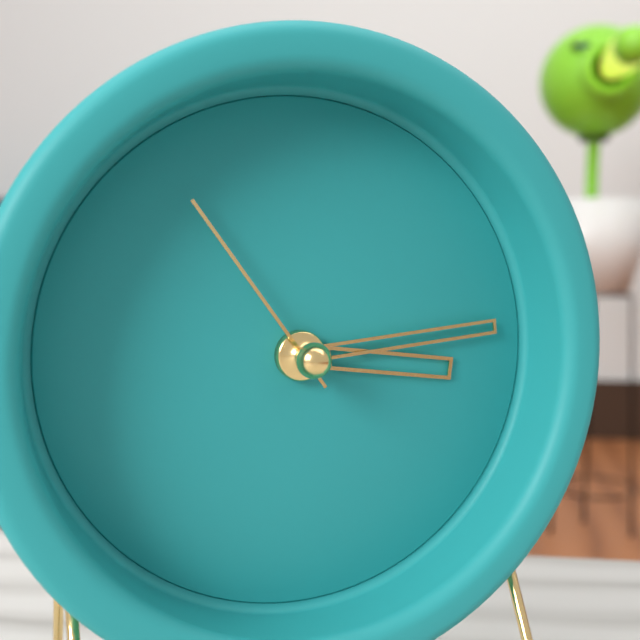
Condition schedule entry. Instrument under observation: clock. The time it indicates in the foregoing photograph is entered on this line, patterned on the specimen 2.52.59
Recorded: 3.14.54
